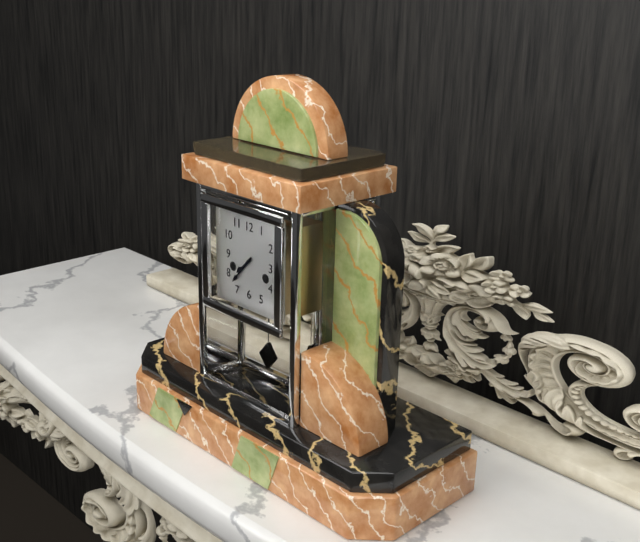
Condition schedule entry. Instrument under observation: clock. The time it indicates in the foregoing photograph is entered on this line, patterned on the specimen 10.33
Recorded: 7.37
